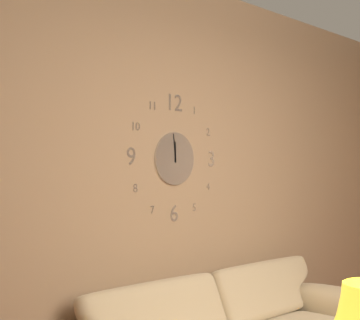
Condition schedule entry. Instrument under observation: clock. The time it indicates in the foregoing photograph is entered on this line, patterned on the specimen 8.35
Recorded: 11.59
